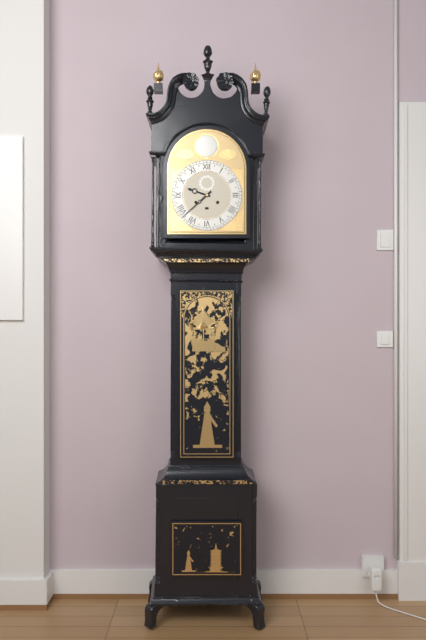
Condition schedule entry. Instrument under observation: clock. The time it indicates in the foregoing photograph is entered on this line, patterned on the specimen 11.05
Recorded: 9.38
